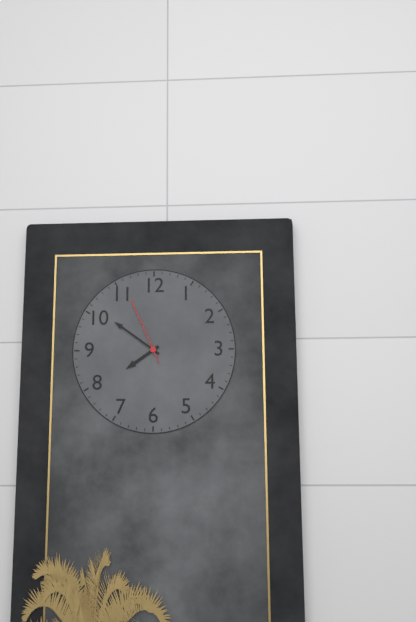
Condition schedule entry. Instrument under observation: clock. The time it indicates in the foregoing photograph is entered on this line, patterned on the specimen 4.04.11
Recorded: 7.51.56
